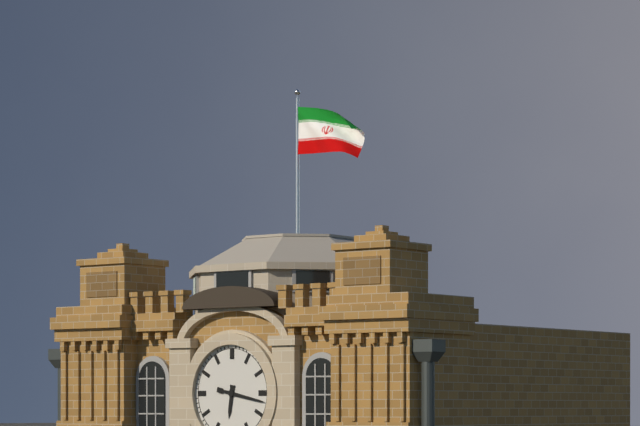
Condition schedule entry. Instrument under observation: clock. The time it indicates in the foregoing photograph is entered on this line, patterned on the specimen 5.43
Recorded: 6.17
